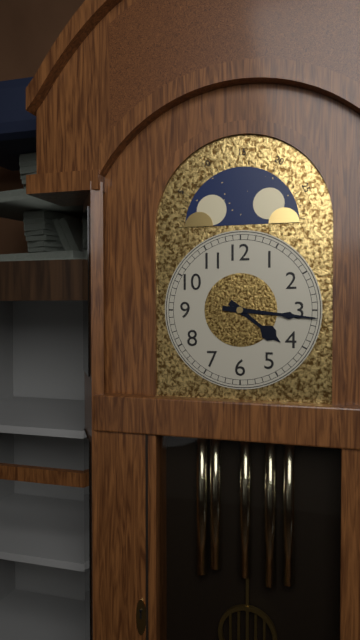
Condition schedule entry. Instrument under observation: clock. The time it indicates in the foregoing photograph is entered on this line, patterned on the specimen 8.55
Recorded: 4.16
